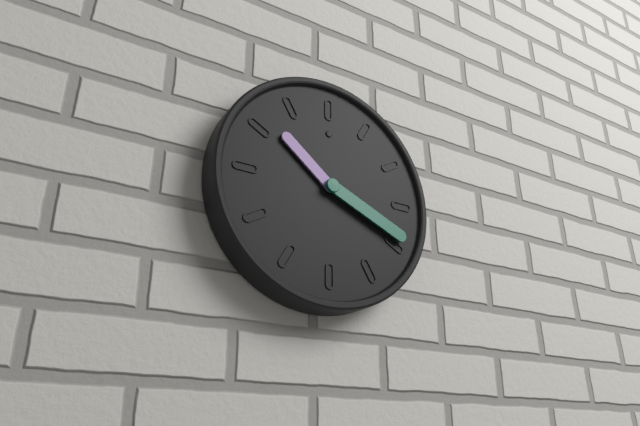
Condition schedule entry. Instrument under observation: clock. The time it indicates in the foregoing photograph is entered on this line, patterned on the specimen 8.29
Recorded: 10.19
